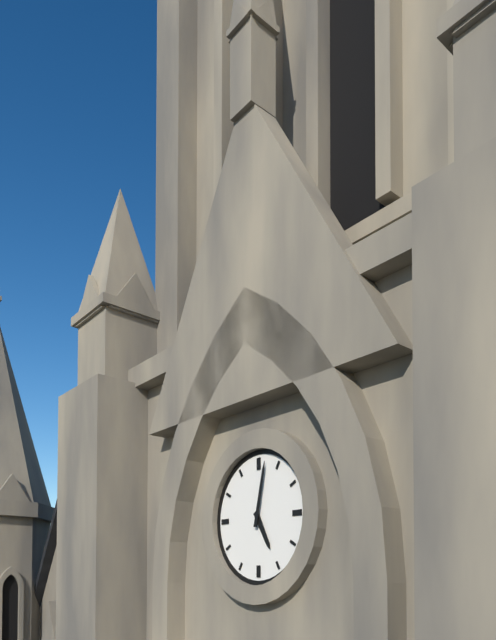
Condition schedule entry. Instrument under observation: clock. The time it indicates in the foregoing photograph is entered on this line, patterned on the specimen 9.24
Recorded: 5.02
